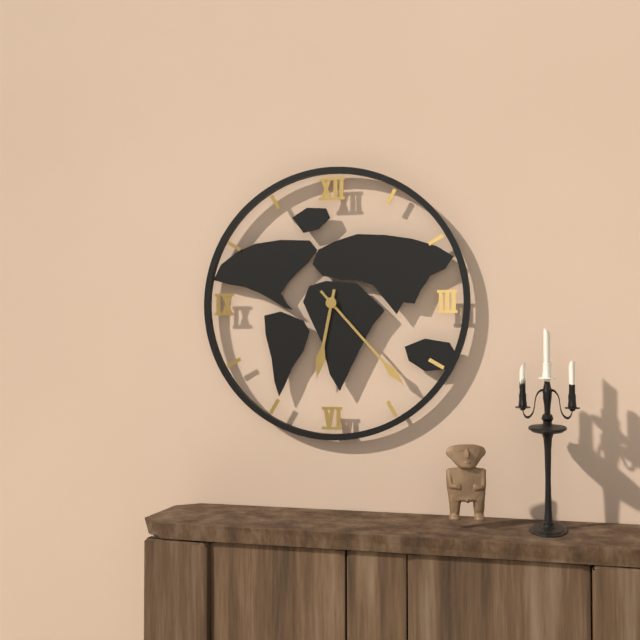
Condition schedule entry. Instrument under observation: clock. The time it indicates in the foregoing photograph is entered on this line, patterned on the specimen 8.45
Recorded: 6.23
